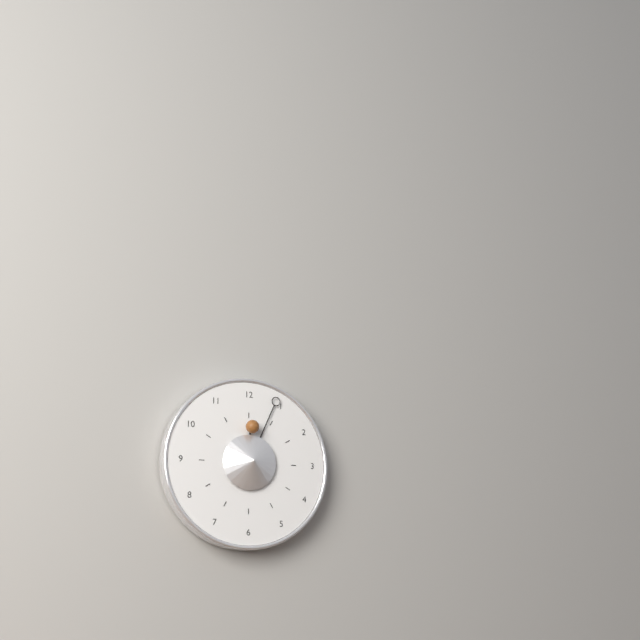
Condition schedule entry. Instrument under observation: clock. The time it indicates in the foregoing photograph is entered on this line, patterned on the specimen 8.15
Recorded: 12.04
